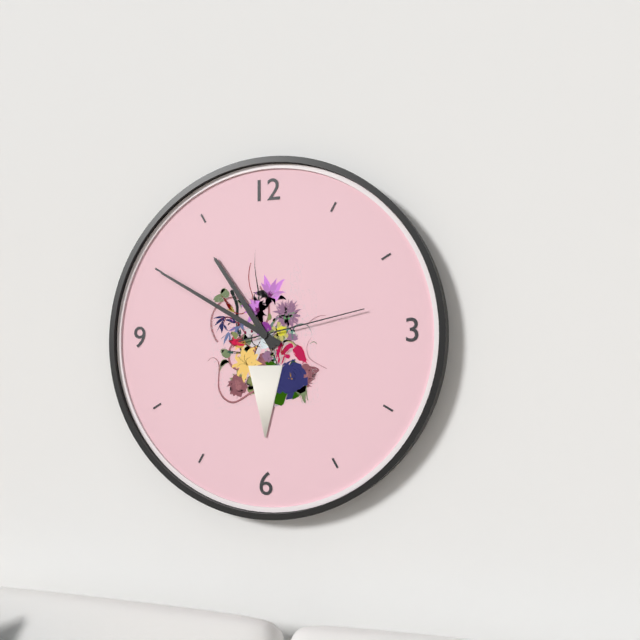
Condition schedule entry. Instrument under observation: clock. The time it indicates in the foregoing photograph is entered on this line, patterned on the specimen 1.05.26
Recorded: 10.50.13
